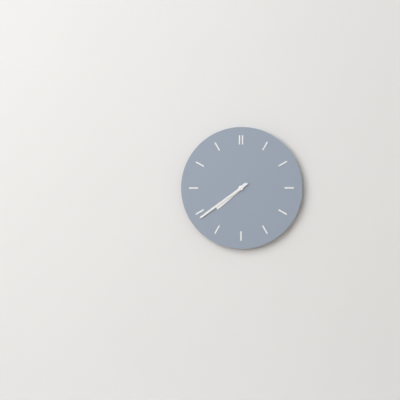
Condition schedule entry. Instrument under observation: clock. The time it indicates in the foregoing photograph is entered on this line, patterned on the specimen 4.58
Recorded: 7.39
